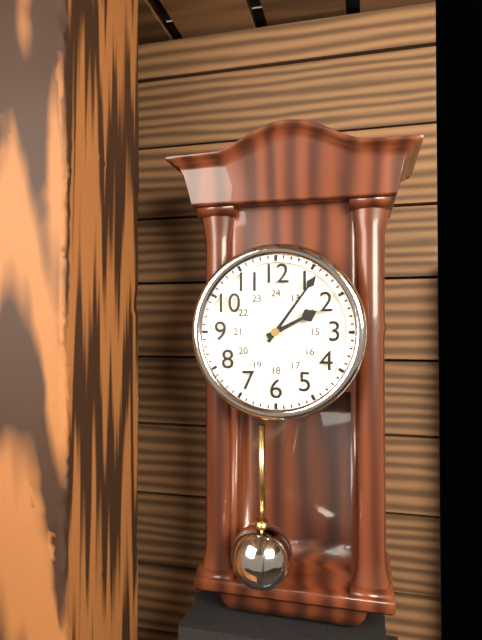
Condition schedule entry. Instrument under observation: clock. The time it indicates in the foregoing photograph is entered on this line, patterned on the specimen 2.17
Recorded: 2.06
